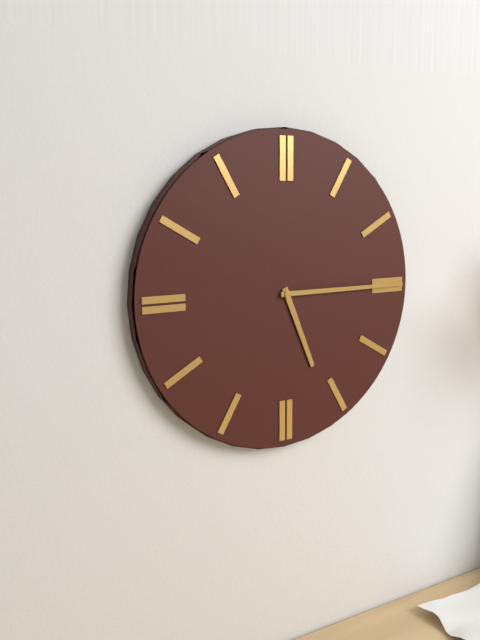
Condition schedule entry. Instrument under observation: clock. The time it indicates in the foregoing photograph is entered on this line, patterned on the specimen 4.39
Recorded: 5.15
